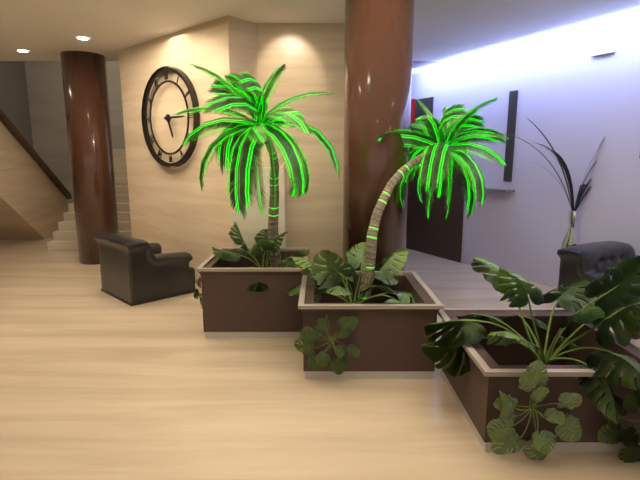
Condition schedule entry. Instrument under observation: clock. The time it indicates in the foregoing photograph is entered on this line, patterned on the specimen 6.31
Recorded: 5.15
